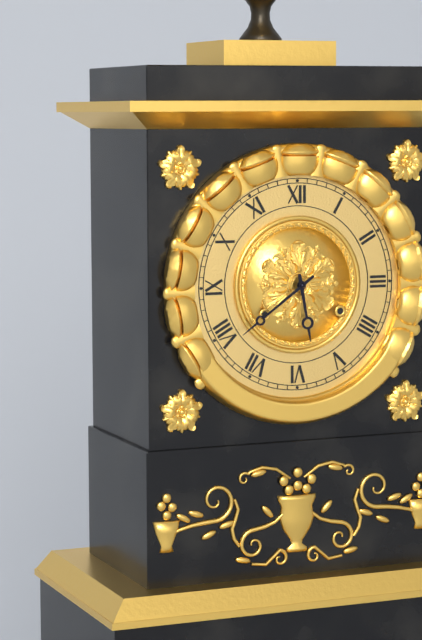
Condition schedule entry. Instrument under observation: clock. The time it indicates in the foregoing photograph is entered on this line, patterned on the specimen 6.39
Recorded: 5.39
